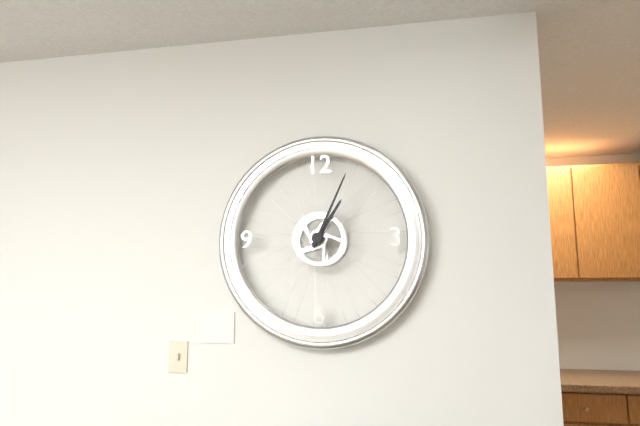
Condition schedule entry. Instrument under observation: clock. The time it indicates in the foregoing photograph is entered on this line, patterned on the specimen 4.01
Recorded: 1.04
